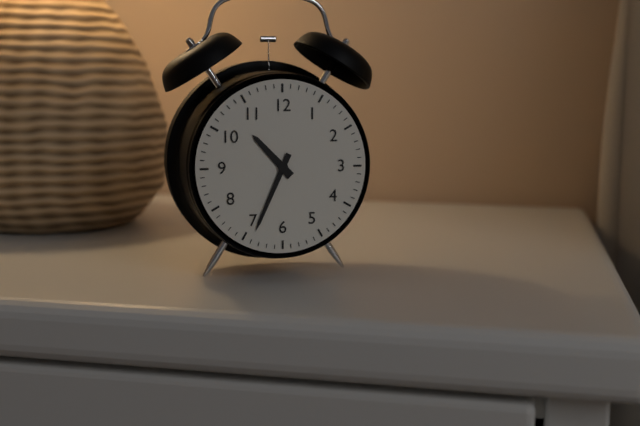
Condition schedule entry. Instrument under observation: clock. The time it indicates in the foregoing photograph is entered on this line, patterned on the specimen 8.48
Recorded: 10.34
